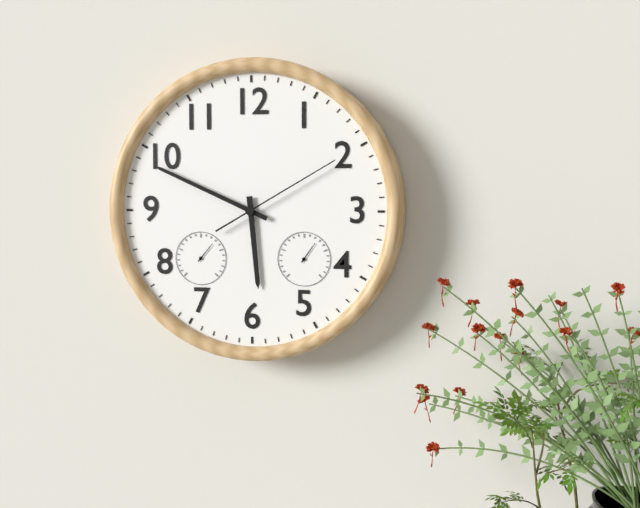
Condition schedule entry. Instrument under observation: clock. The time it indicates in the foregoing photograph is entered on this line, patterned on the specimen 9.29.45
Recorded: 5.49.10
